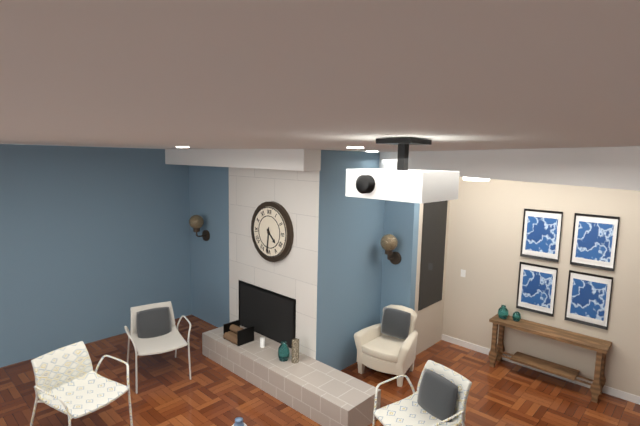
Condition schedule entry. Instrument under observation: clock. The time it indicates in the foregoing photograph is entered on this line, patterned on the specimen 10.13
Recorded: 4.31
